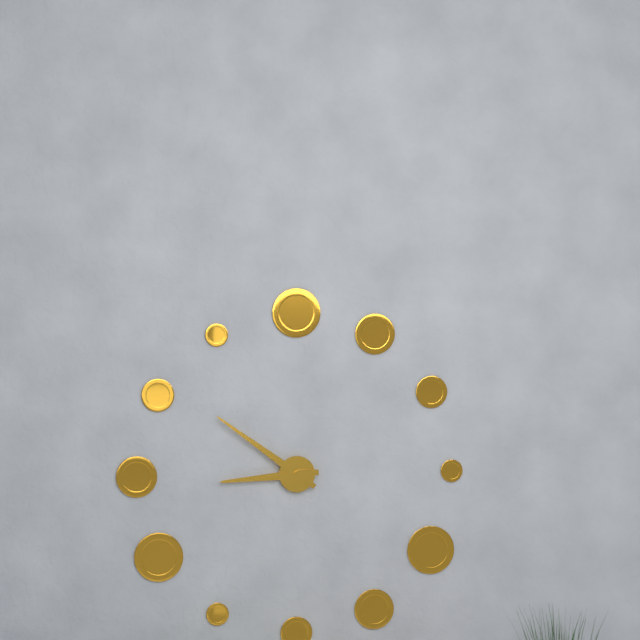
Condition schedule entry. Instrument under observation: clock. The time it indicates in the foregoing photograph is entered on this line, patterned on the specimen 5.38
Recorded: 8.51
